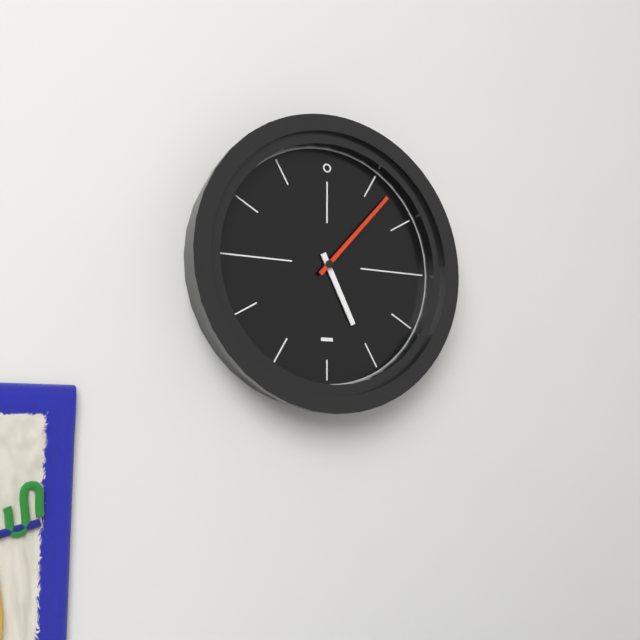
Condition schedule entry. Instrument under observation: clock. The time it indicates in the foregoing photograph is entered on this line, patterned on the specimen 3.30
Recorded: 5.07
